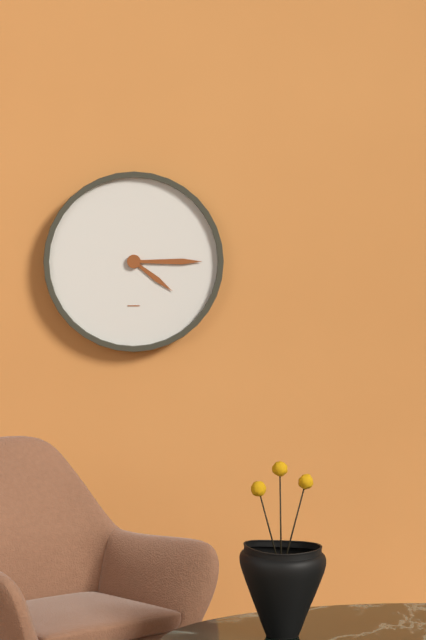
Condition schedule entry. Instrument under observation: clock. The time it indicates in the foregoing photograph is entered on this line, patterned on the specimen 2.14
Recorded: 4.15
